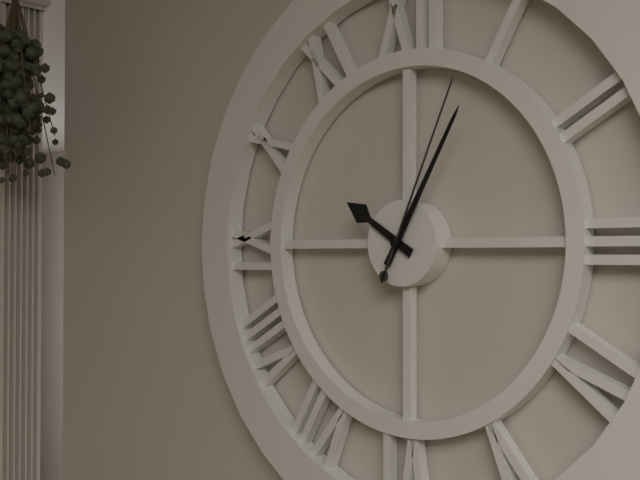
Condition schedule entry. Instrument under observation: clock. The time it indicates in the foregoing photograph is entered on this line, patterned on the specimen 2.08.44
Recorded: 10.05.04
